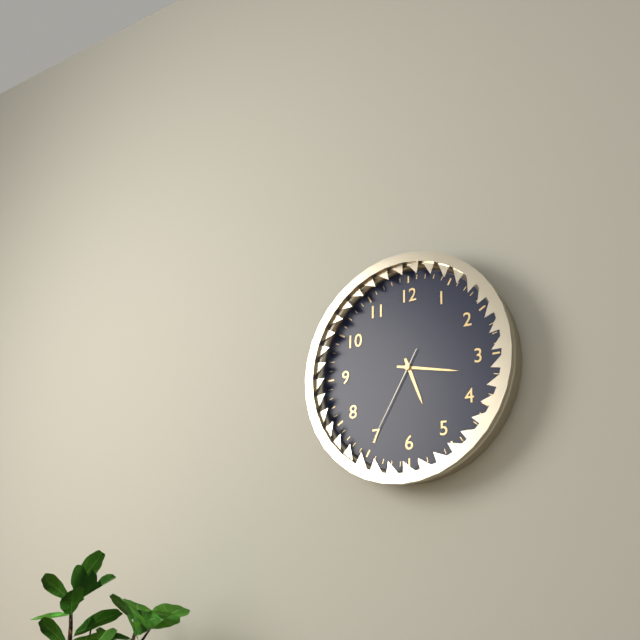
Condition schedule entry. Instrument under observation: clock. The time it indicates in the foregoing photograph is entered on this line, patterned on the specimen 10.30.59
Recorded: 5.17.35
